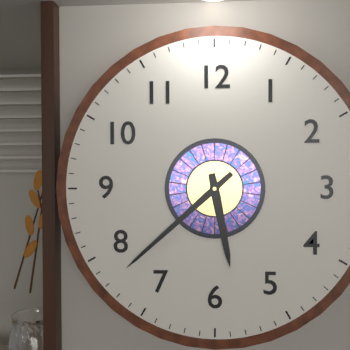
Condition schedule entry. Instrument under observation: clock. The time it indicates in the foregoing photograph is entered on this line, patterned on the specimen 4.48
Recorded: 5.38
